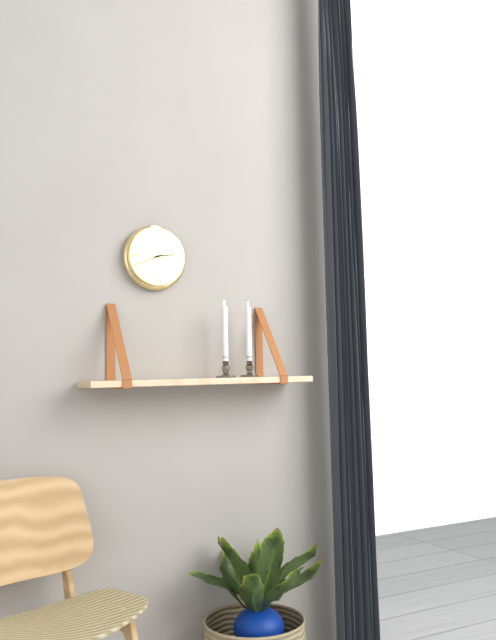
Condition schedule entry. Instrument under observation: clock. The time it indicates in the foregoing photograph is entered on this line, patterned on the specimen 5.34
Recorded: 2.41
